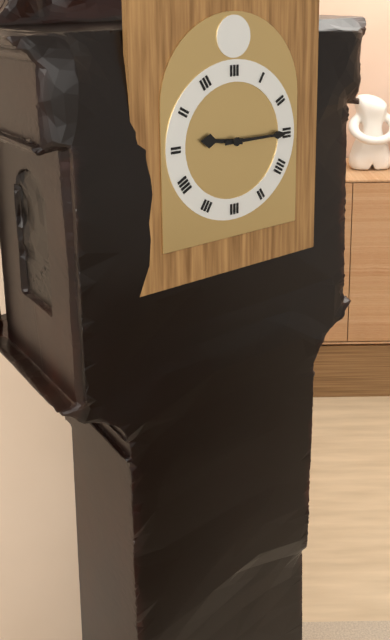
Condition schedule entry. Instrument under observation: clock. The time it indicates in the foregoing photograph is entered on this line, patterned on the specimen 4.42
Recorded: 9.15
